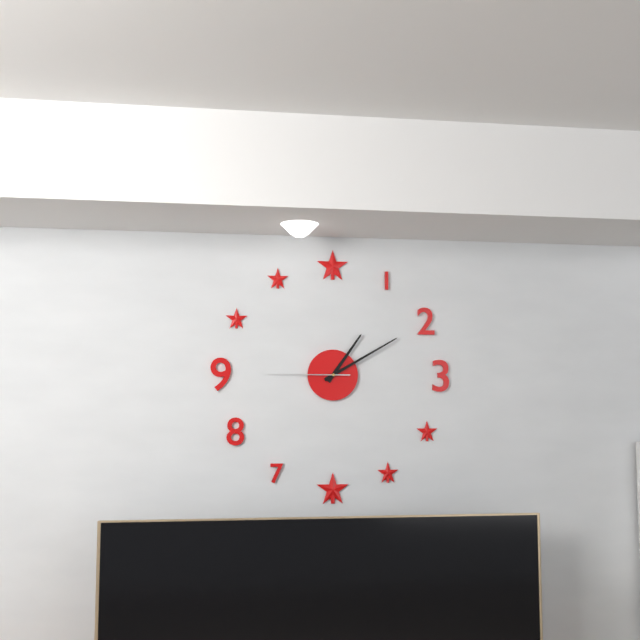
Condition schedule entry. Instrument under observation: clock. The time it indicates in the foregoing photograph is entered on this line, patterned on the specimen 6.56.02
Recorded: 1.10.45
